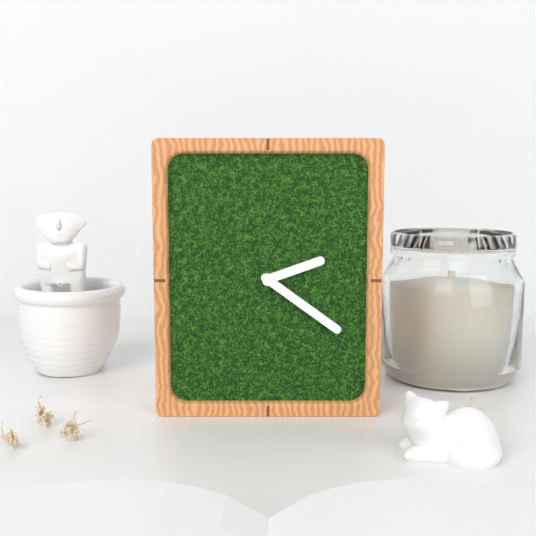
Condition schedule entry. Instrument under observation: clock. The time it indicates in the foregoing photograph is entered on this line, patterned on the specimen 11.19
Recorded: 2.21
